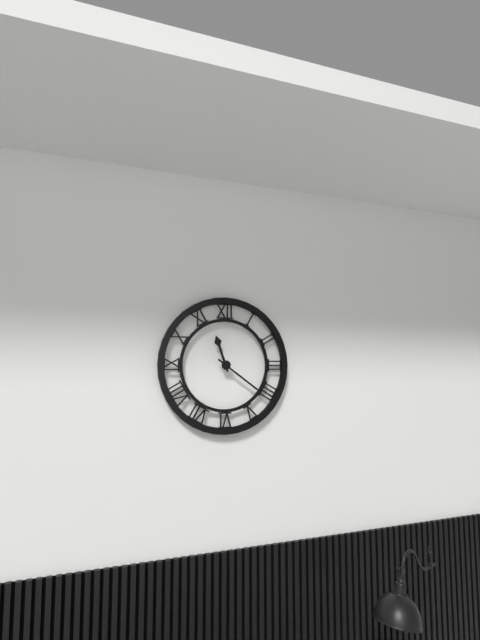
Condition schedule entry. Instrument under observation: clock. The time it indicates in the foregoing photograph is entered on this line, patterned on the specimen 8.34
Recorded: 11.21
